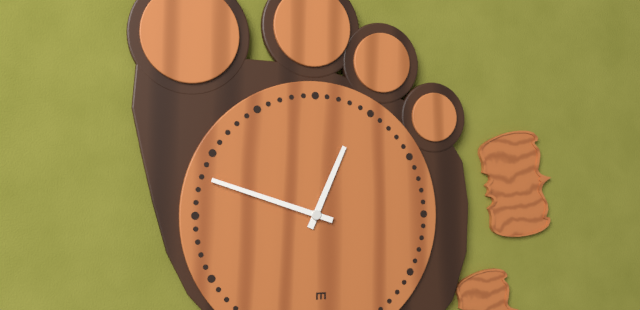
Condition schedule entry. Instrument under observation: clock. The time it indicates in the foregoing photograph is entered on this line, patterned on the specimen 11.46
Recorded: 12.48
